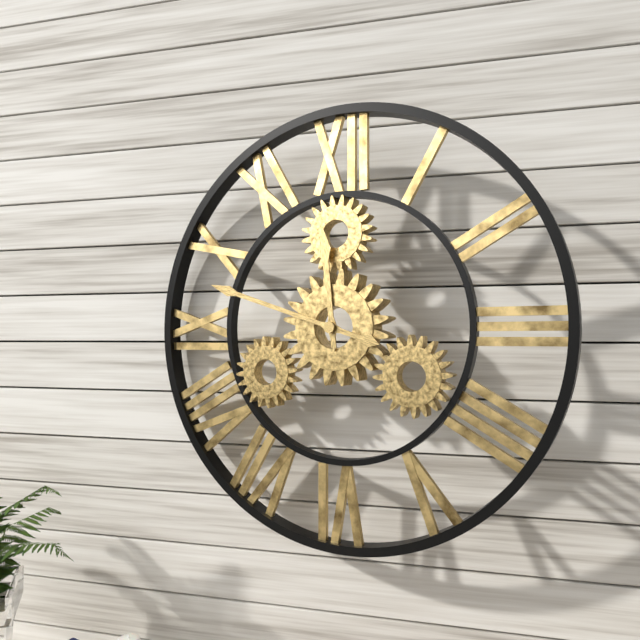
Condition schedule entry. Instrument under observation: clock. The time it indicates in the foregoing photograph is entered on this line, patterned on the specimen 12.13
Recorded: 11.48
